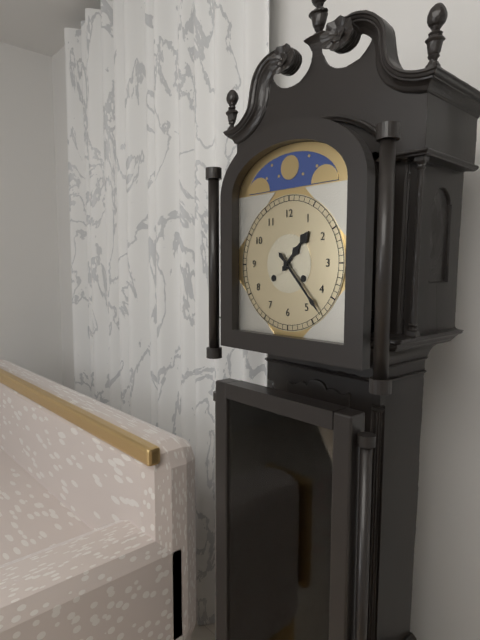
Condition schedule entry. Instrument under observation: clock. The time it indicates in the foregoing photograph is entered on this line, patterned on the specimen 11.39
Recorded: 1.23
